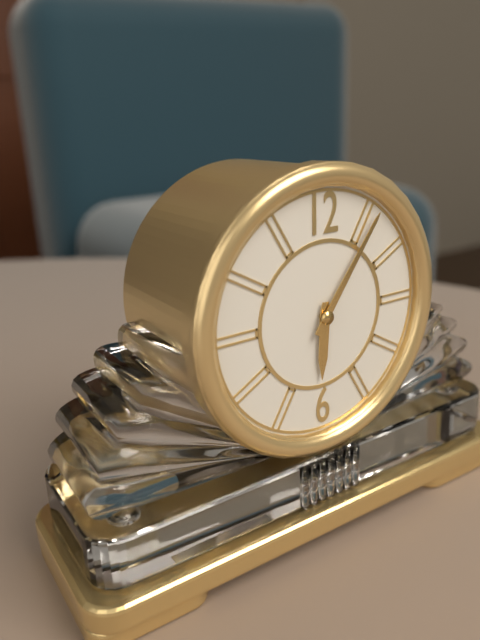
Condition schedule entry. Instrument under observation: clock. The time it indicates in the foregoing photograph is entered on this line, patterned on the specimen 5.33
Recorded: 6.06
